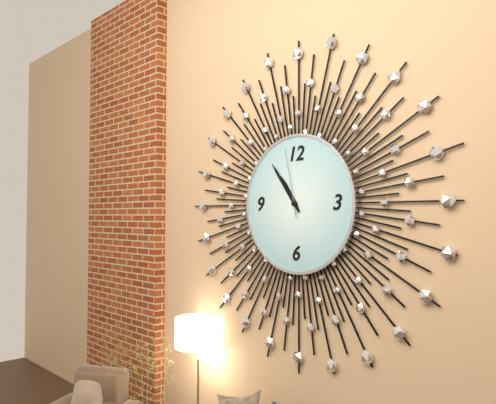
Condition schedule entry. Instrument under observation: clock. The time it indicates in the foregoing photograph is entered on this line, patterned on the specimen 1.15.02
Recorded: 10.54.58
